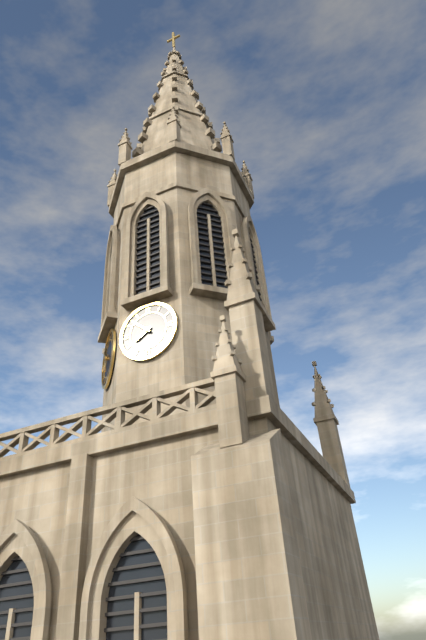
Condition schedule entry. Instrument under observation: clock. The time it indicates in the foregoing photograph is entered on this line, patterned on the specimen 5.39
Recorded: 7.52
